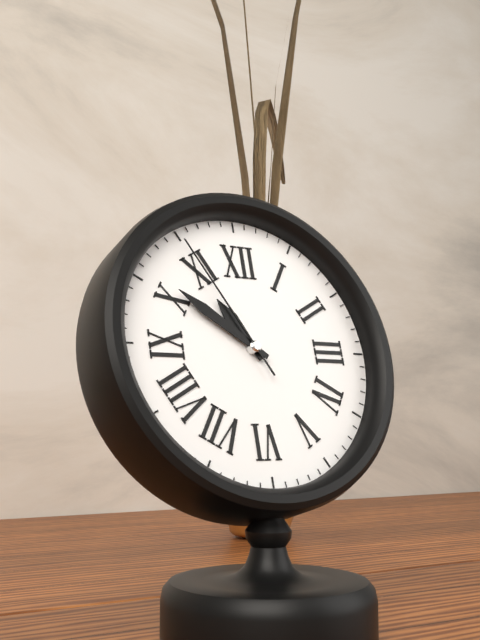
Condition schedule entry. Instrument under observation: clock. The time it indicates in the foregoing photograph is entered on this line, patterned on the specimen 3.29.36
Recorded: 10.51.55
